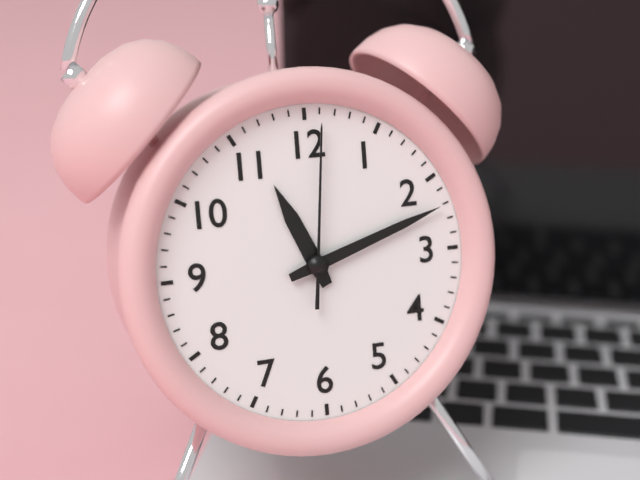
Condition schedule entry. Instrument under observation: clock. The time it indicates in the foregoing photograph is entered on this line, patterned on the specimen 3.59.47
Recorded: 11.12.01
